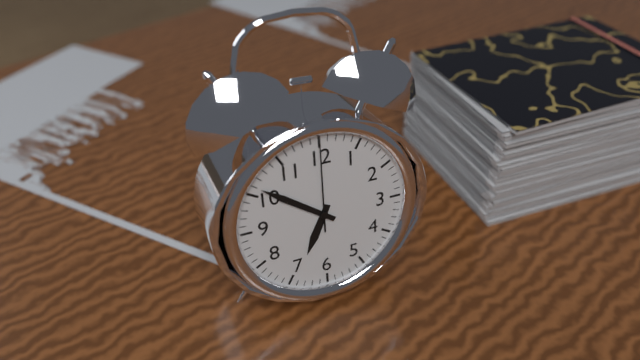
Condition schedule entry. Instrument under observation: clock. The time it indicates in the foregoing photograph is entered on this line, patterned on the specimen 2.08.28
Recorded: 6.51.00
